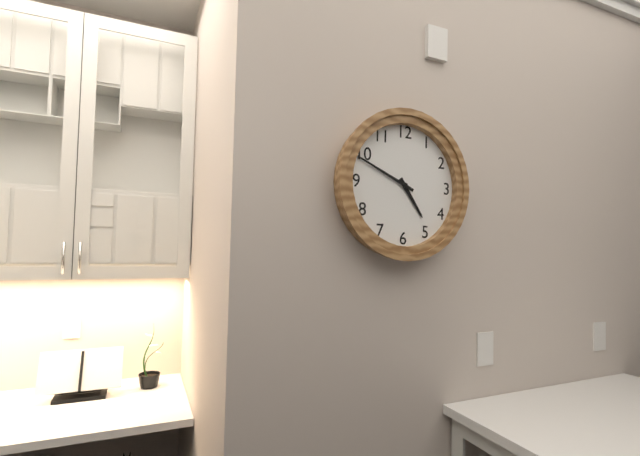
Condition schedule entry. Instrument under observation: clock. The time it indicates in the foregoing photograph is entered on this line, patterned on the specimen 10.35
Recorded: 4.49
